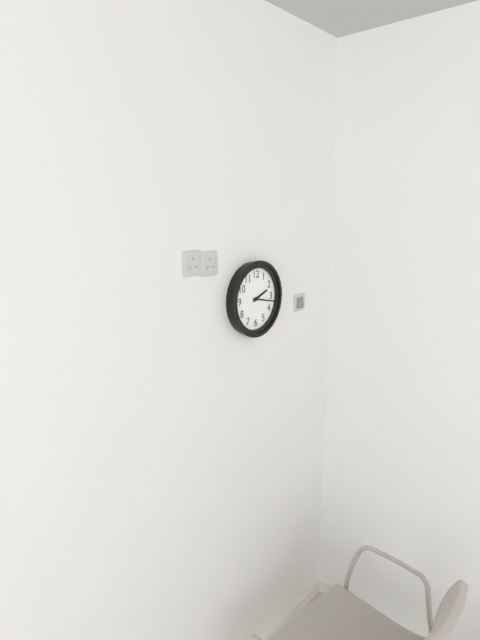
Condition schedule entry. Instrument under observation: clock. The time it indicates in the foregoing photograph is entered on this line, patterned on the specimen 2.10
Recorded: 2.17
